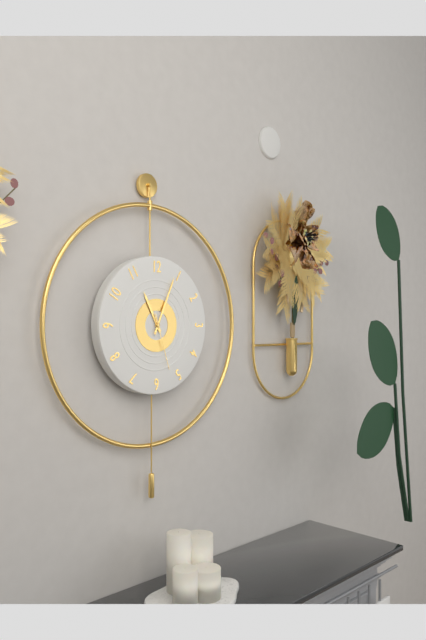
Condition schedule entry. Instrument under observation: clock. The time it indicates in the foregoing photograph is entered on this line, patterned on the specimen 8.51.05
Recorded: 11.04.27
